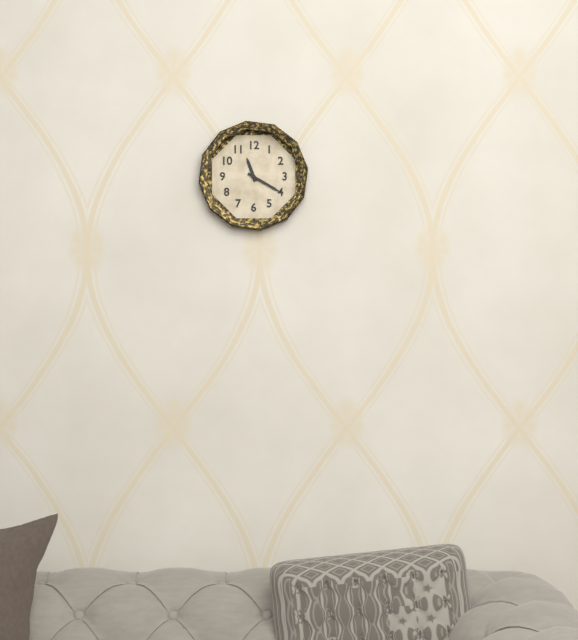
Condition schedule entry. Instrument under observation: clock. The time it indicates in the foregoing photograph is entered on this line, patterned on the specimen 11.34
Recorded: 11.20
